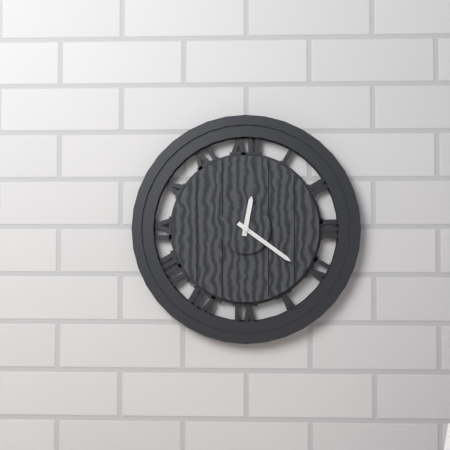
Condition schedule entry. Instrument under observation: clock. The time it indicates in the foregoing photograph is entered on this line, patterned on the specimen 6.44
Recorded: 12.21
